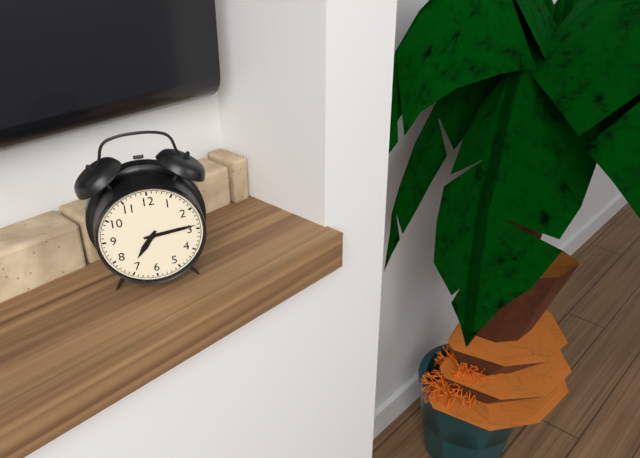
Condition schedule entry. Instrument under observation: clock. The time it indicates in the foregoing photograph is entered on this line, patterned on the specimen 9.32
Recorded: 7.14
